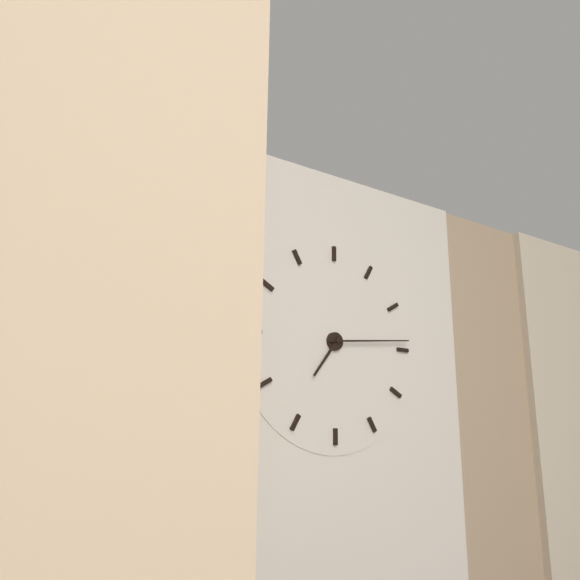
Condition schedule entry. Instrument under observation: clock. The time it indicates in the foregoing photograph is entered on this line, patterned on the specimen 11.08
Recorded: 7.14
